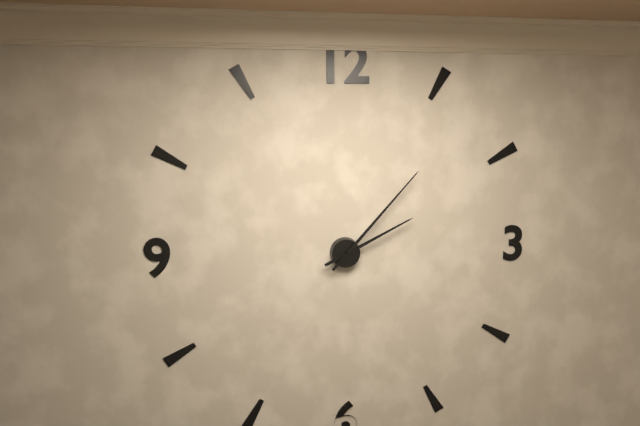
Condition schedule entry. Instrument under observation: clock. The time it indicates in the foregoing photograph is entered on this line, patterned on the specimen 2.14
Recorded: 2.07
